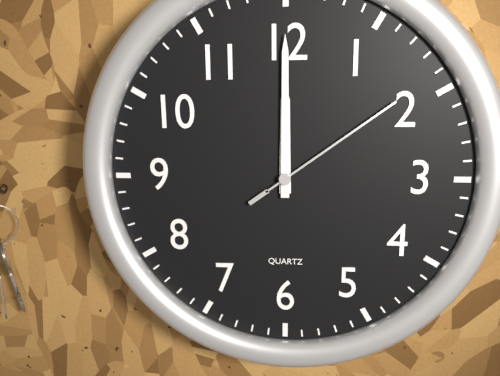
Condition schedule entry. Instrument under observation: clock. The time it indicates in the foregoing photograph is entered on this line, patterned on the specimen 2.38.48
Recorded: 12.00.09
